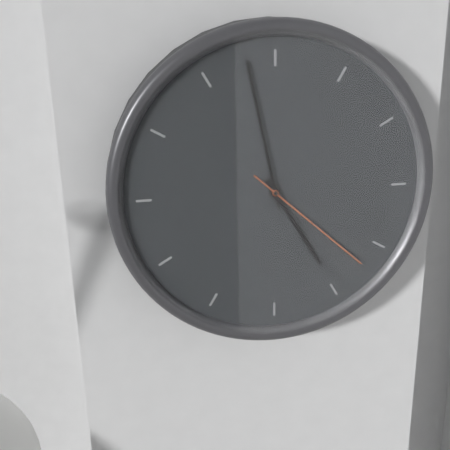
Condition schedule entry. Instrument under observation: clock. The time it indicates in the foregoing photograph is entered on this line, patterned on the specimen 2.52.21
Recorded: 4.58.22
